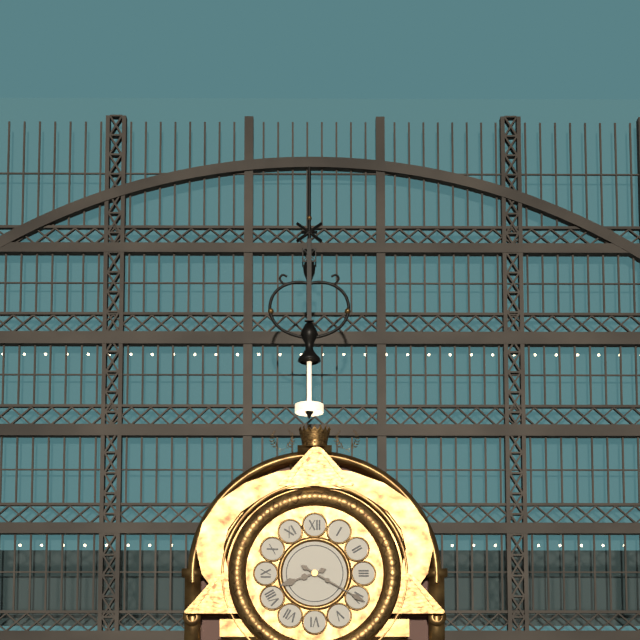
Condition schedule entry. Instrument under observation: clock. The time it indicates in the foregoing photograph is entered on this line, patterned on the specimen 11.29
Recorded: 8.20
